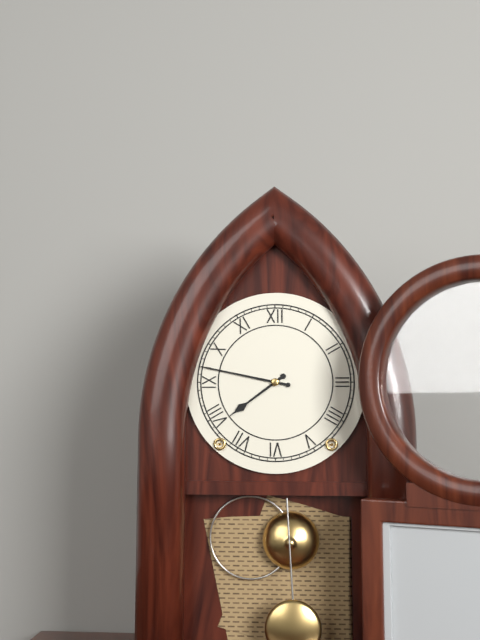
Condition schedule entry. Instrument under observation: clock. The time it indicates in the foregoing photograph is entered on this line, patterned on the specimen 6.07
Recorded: 7.47
